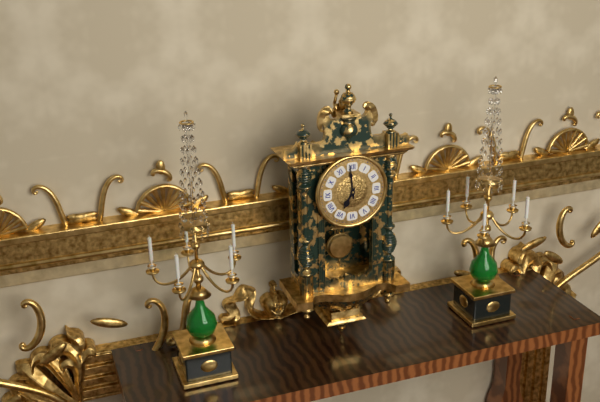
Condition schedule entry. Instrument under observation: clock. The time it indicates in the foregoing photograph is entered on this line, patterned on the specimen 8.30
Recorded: 6.59
